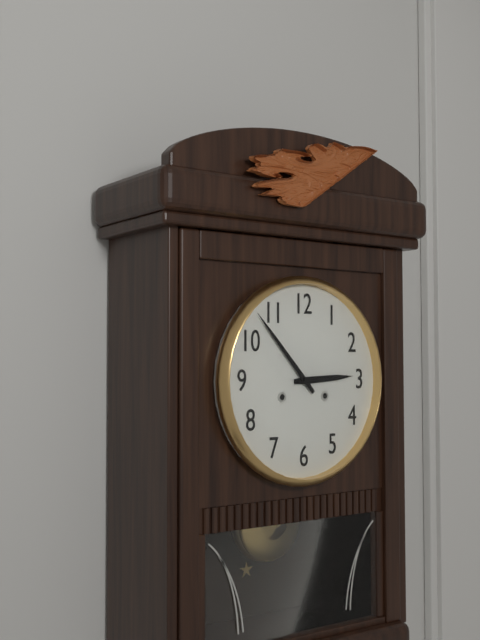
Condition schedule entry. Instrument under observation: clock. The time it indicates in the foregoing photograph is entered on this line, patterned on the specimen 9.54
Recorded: 2.53
